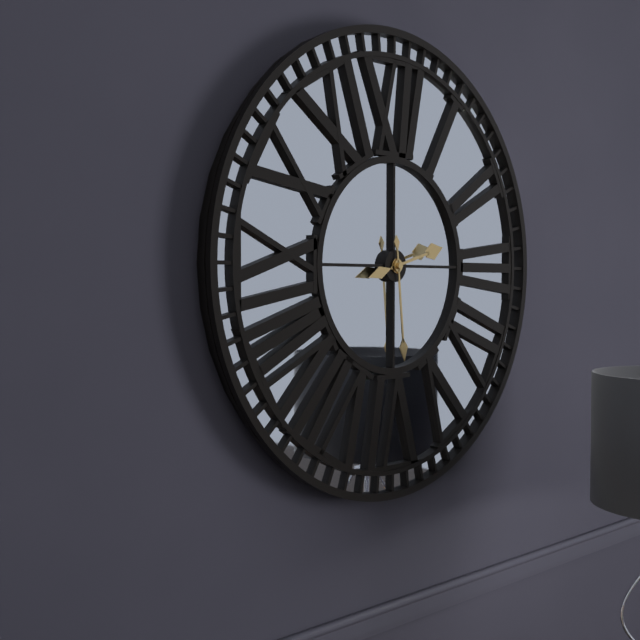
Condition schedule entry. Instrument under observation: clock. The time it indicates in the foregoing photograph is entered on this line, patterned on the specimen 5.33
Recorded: 2.29
